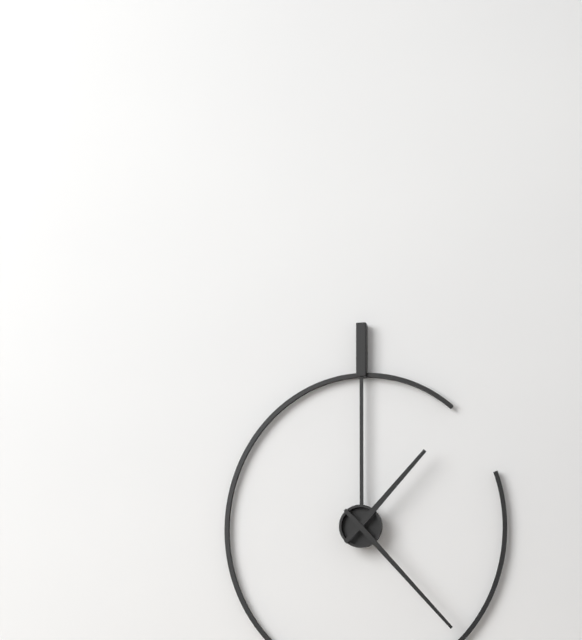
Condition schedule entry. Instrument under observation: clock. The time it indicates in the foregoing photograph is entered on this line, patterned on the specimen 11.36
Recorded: 1.23
